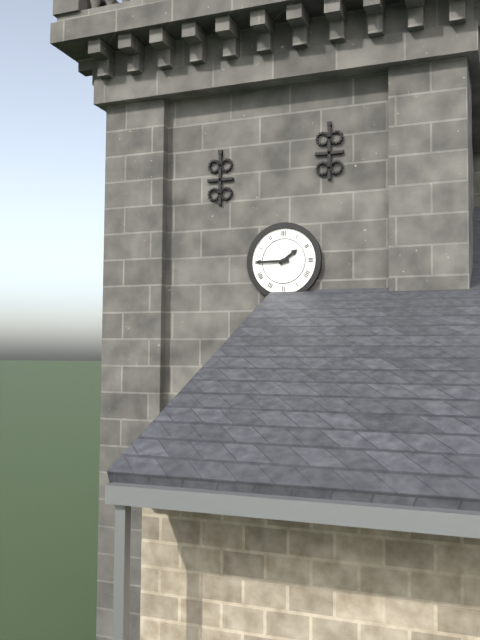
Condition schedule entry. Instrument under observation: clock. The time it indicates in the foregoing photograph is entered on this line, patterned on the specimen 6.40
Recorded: 1.45
